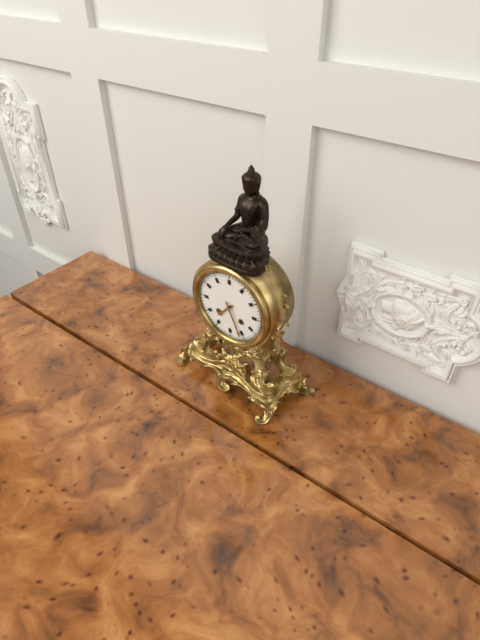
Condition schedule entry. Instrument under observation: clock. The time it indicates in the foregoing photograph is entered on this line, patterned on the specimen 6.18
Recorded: 7.26
